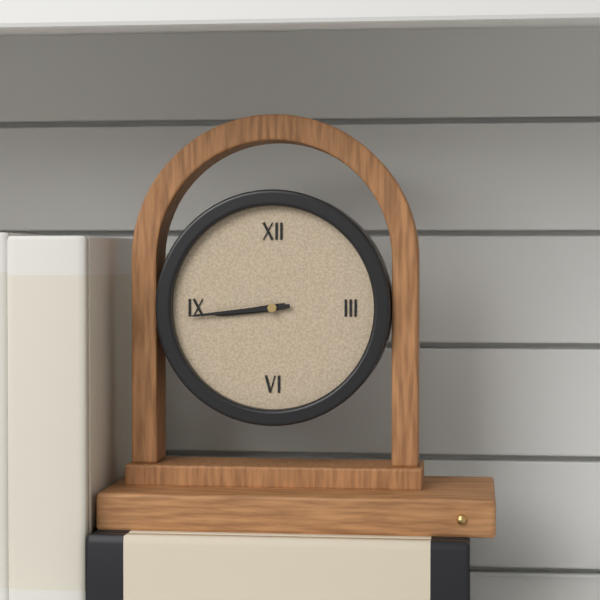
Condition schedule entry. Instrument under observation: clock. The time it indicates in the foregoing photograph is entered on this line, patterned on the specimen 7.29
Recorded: 8.44
